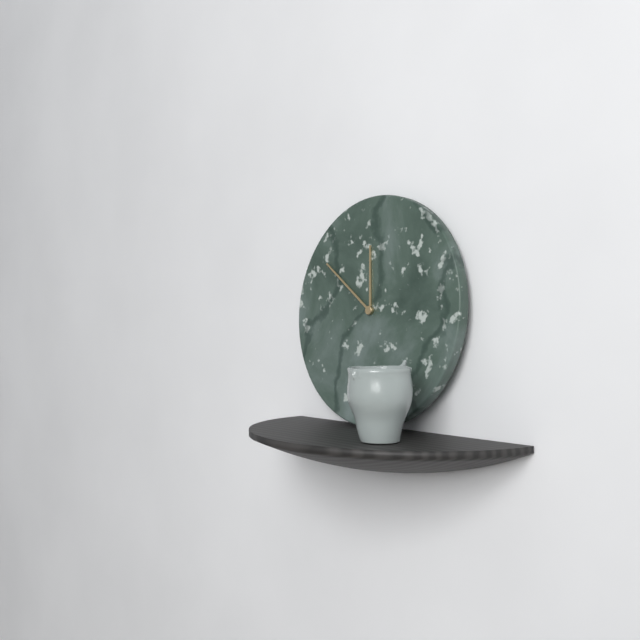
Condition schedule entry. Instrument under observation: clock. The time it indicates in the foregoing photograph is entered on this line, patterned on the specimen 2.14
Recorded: 11.51
